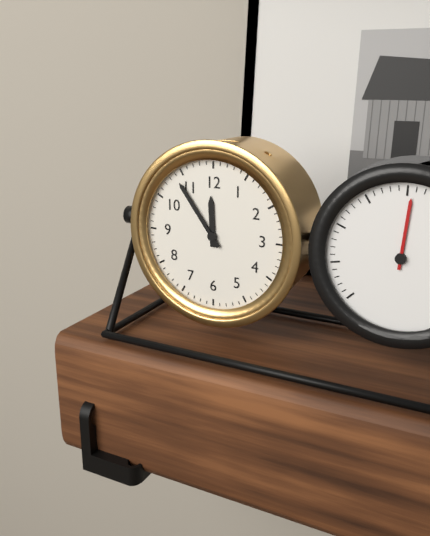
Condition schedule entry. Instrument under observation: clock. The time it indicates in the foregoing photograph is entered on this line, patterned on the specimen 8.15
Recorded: 11.54
